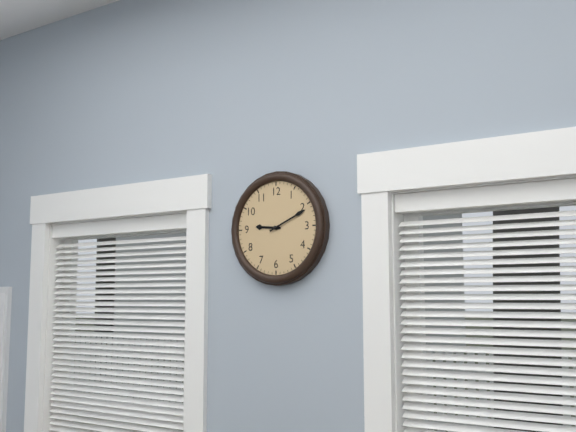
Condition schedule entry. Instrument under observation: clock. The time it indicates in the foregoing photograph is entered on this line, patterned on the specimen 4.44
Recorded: 9.11
